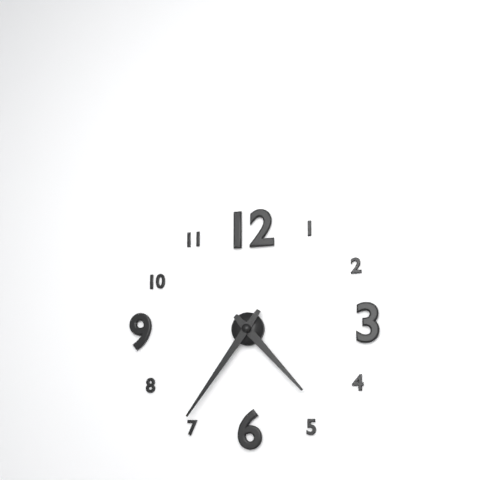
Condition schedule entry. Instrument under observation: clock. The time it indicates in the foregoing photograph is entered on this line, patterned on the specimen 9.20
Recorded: 4.36
